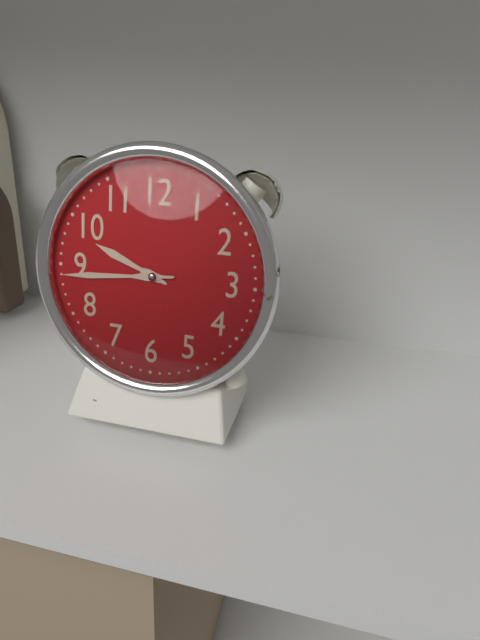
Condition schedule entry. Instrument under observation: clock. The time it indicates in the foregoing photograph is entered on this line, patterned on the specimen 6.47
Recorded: 9.44
